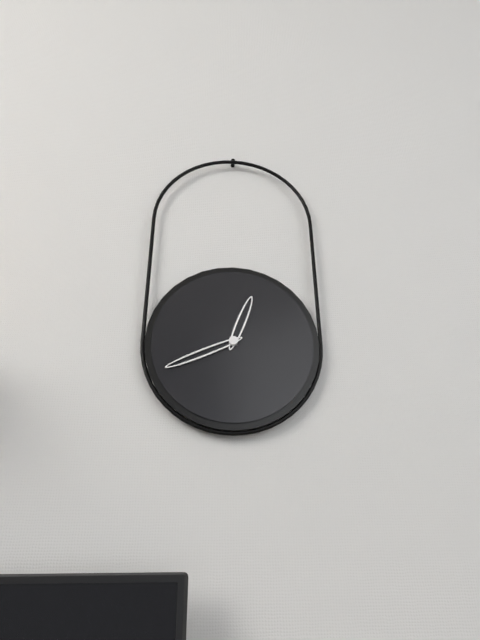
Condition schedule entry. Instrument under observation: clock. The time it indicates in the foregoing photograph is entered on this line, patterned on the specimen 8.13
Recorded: 12.41
